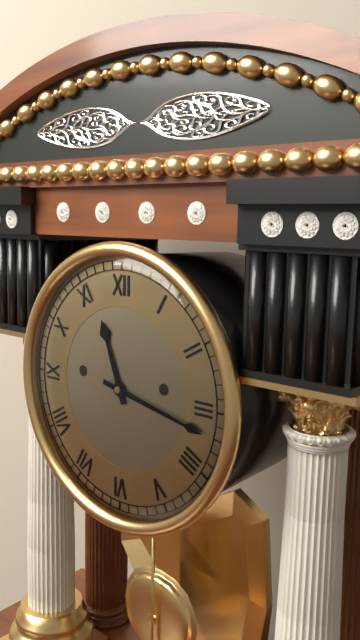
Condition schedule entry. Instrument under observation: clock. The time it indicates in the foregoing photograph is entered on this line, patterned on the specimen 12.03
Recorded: 11.17
